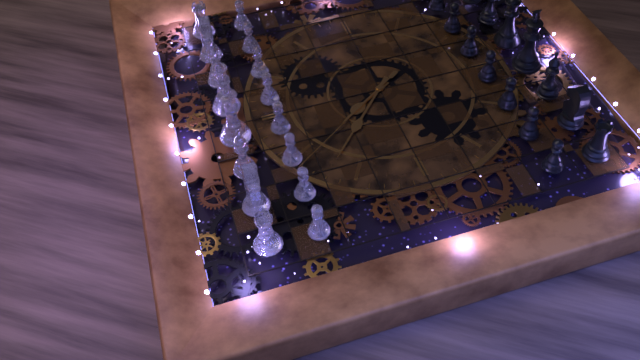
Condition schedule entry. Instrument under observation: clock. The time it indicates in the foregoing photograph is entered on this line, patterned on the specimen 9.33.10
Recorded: 10.52.54
